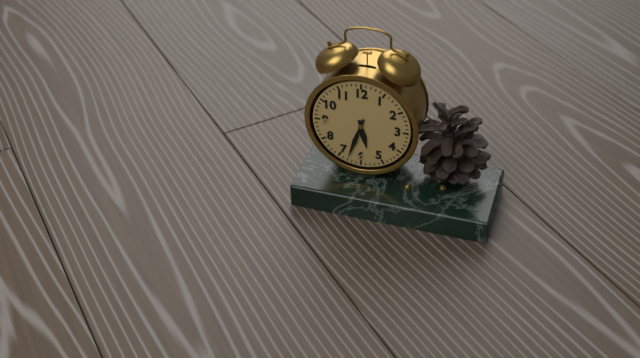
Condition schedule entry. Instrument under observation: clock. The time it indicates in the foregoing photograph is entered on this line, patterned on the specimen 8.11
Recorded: 5.33
